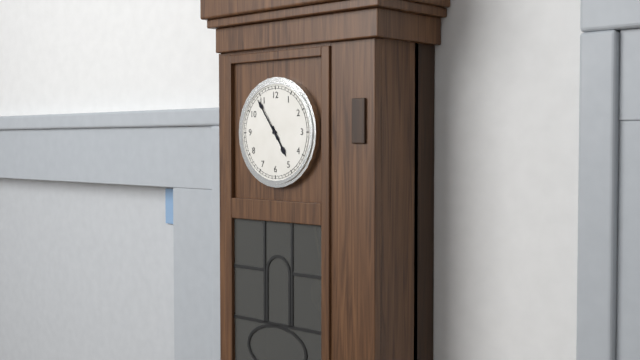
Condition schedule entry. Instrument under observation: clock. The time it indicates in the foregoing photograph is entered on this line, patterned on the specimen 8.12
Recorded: 4.54
